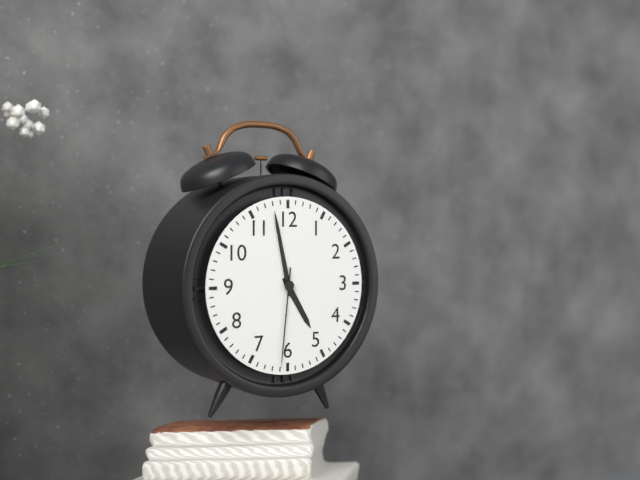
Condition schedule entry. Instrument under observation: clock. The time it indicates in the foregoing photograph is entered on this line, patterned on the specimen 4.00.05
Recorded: 4.58.31
